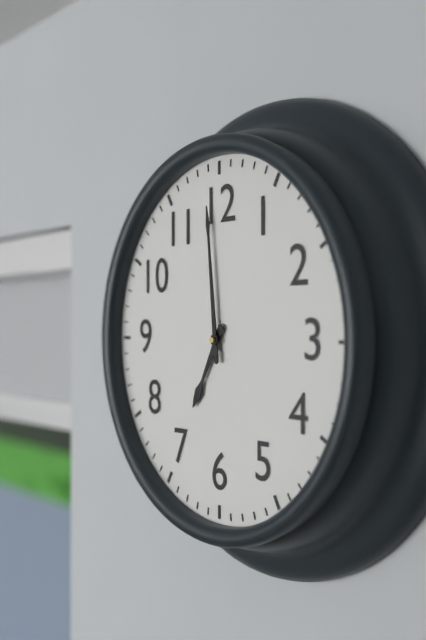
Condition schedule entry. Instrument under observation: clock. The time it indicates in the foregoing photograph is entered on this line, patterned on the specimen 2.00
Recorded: 6.59
